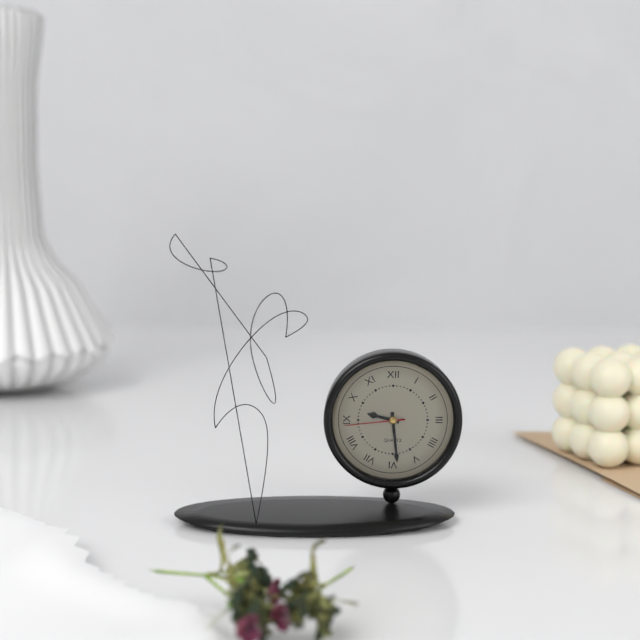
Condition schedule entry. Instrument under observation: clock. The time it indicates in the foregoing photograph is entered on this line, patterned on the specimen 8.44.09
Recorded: 9.29.44
